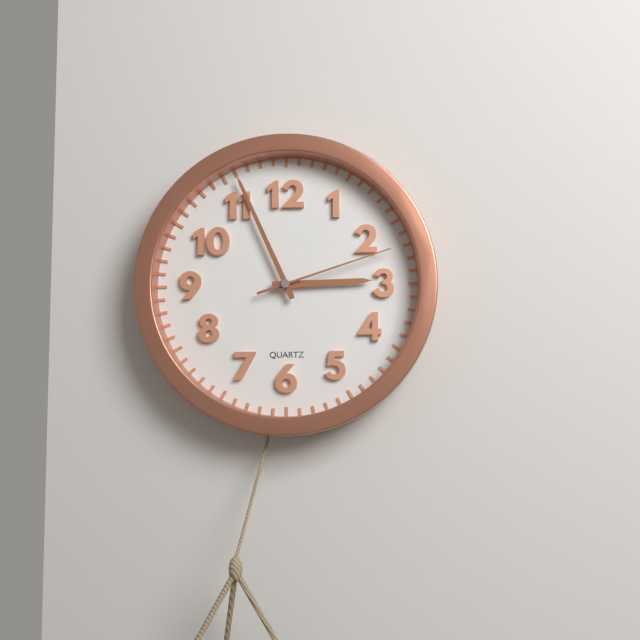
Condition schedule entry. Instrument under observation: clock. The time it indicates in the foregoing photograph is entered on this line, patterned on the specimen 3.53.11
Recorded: 2.56.12
